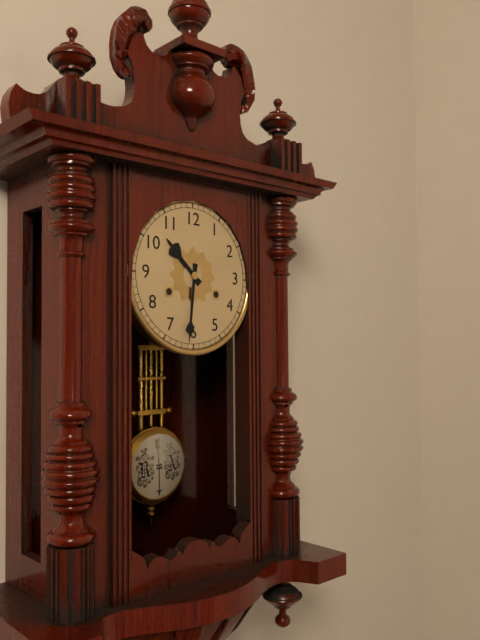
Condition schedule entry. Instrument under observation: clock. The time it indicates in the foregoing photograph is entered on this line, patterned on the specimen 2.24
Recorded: 10.31
